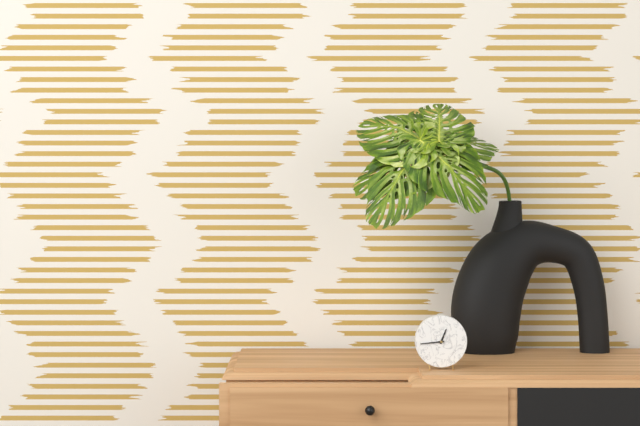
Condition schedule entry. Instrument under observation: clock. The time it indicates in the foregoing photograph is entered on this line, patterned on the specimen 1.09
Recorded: 12.44
